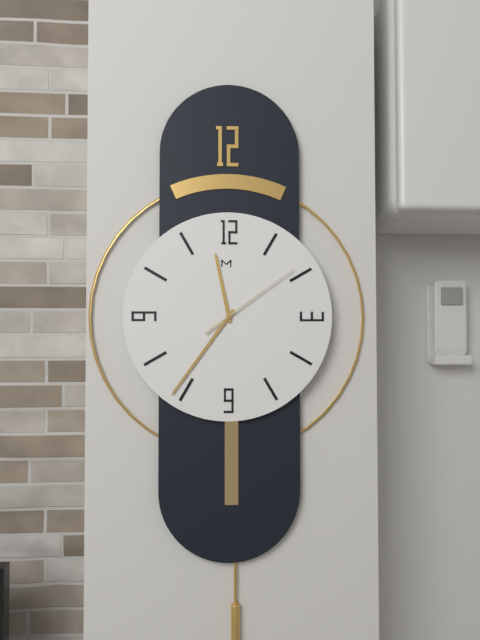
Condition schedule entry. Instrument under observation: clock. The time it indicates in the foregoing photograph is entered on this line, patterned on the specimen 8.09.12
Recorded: 11.36.09
